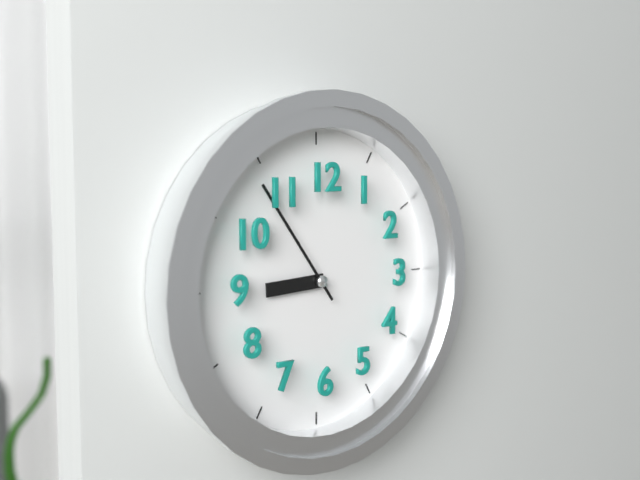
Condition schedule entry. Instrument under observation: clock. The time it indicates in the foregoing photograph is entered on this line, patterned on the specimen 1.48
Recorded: 8.54
